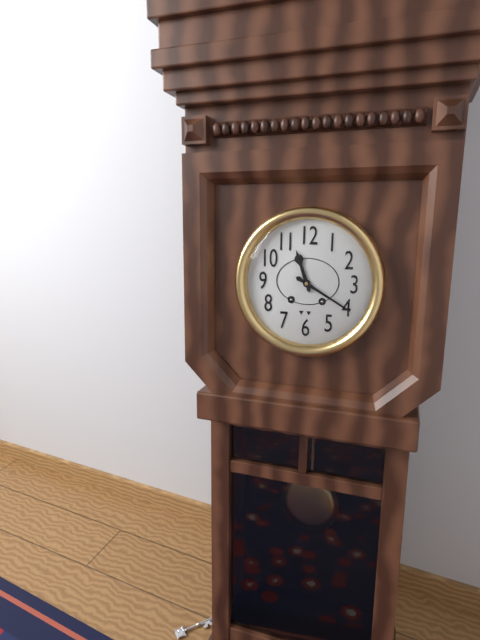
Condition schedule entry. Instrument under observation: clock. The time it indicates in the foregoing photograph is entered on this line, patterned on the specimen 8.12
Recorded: 11.20
